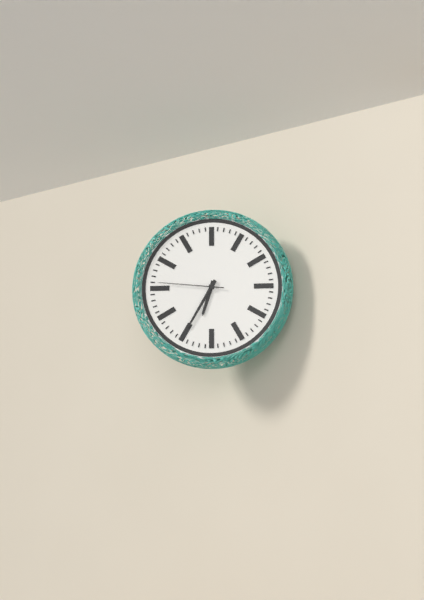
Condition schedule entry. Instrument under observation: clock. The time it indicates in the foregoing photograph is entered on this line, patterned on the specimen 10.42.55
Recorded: 6.35.46
